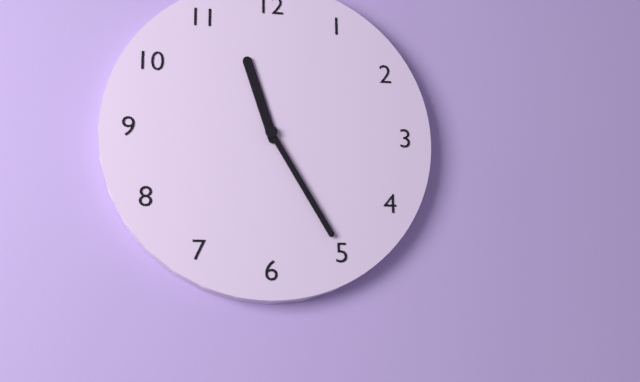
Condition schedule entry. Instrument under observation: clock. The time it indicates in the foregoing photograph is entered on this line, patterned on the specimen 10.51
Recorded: 11.25
